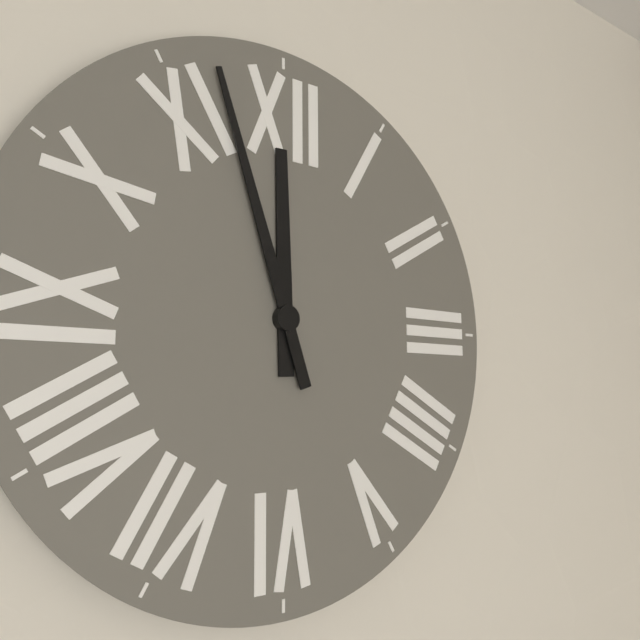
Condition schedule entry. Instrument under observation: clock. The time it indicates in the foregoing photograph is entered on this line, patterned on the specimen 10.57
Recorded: 11.57
